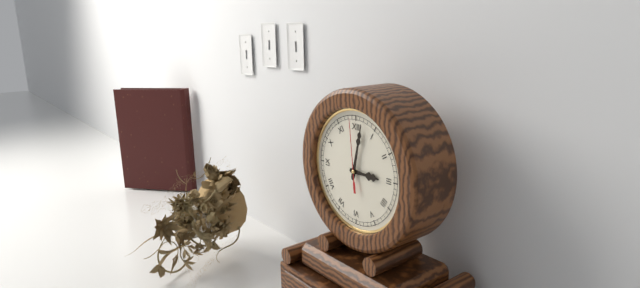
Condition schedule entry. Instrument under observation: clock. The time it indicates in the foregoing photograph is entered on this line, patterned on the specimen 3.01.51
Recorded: 3.02.59
